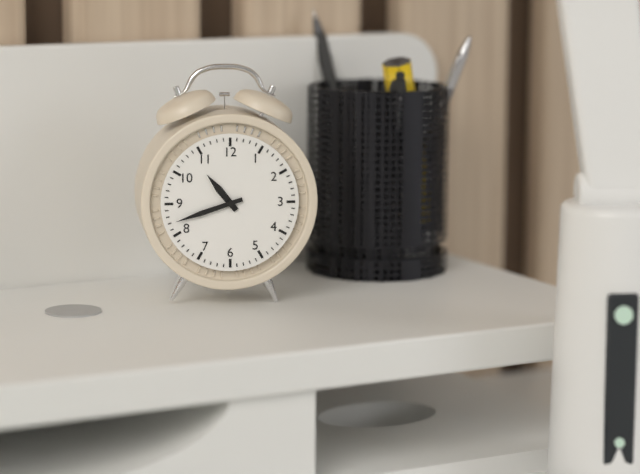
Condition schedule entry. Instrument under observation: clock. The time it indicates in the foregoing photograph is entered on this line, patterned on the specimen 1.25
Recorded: 10.42
